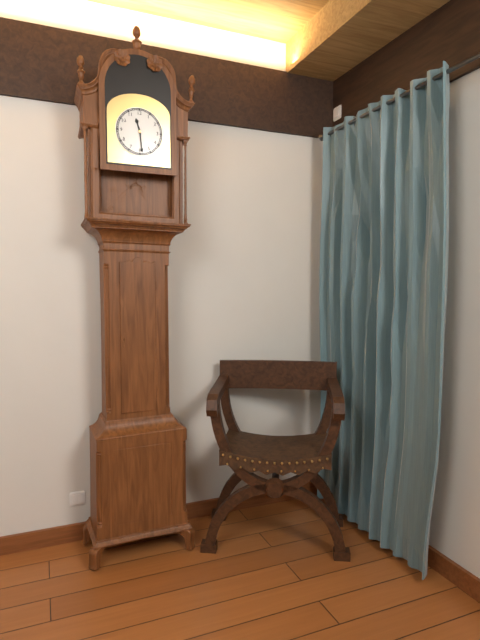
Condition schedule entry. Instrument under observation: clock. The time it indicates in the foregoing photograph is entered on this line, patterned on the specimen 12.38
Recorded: 11.29
